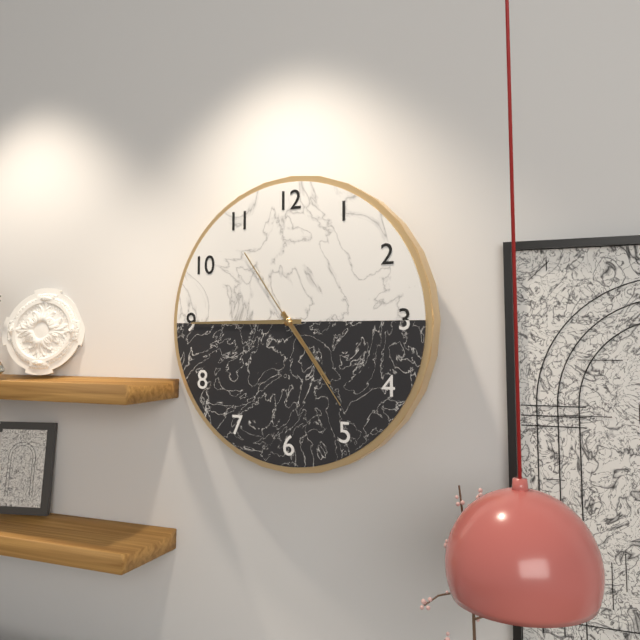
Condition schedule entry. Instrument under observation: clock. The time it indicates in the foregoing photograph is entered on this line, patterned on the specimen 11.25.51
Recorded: 4.45.24
